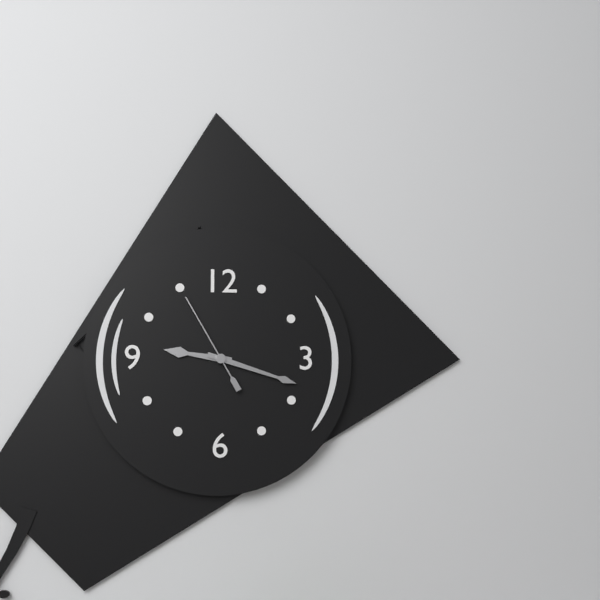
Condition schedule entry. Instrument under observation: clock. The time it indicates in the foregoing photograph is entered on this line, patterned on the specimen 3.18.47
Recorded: 9.18.55
